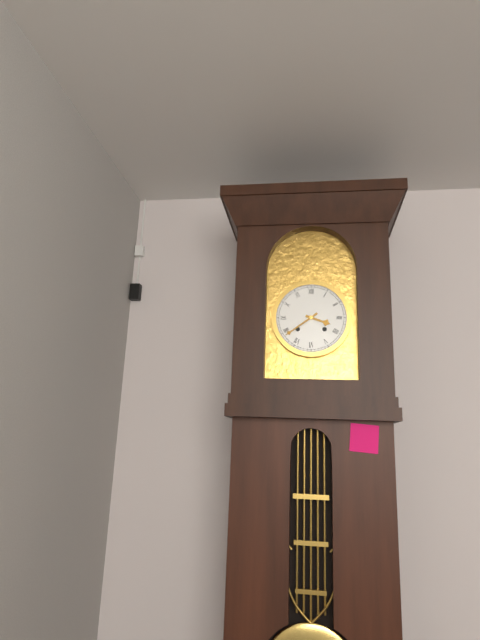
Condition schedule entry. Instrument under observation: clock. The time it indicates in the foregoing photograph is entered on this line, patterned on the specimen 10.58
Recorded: 3.39
